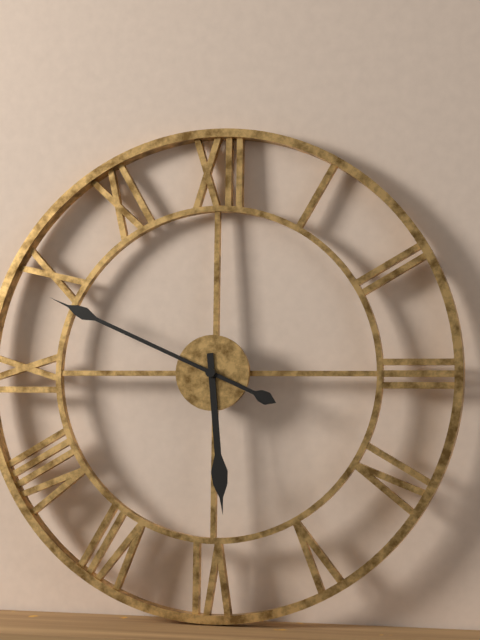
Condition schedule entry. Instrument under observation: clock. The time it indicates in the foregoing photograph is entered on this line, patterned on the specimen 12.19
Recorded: 5.49
